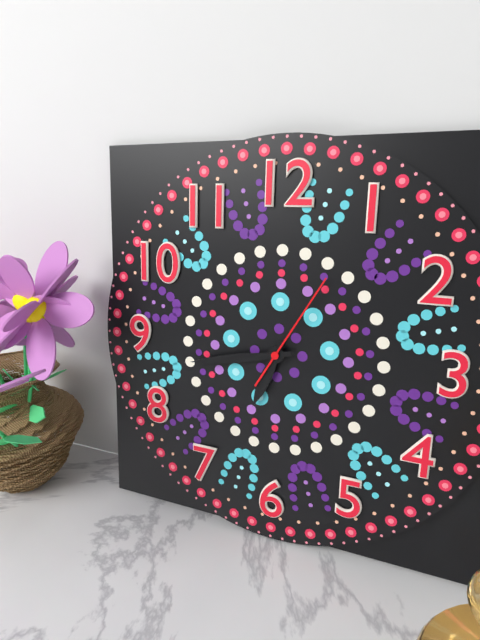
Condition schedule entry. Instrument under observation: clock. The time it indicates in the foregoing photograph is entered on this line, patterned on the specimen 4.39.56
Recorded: 6.43.05
